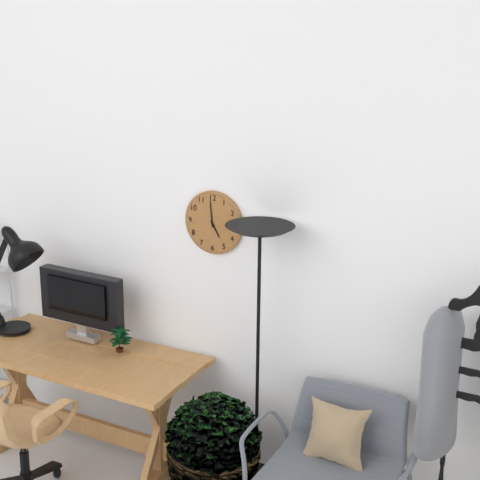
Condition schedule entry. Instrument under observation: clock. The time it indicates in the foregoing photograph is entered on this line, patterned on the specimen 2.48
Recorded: 4.59
